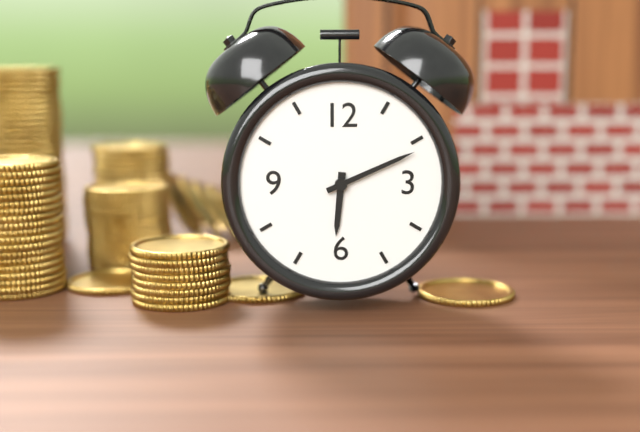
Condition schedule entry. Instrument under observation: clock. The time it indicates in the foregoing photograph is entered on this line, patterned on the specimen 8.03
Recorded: 6.11
